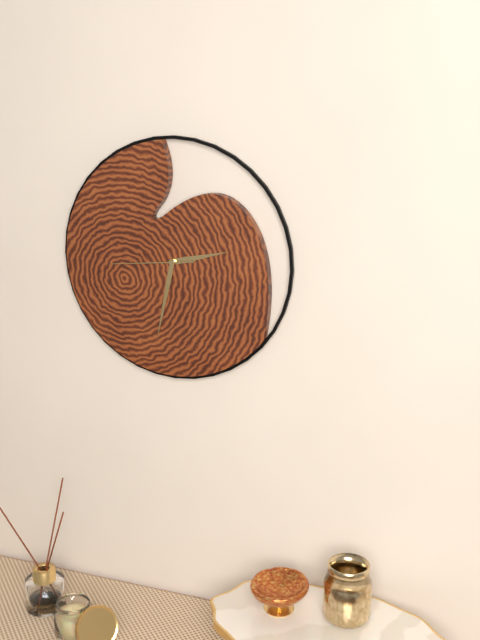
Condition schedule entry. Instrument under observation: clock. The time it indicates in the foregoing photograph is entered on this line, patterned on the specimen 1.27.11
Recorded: 2.32.44
